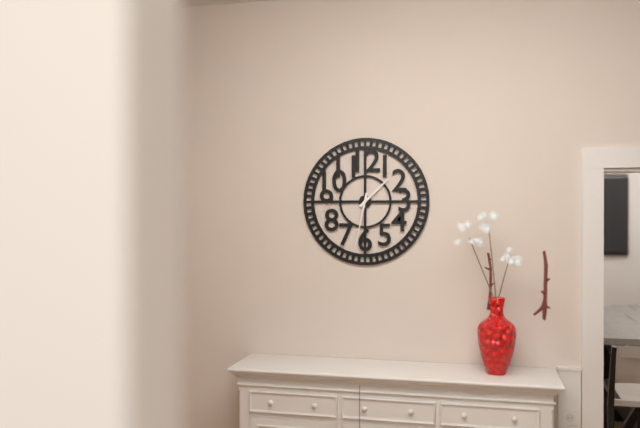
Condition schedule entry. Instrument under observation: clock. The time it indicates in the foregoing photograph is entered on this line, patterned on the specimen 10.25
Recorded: 1.32
